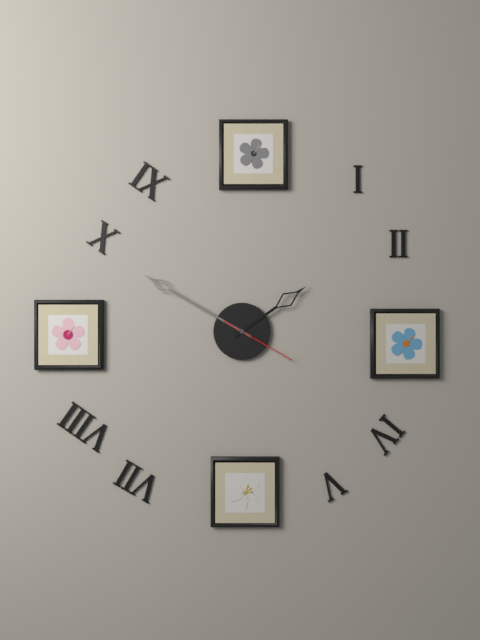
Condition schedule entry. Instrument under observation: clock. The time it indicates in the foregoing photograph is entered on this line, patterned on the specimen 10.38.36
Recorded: 1.50.20
